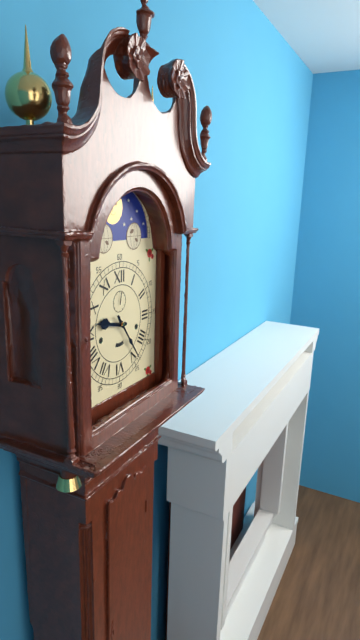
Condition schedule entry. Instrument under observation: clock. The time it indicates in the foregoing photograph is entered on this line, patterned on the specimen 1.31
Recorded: 9.24
